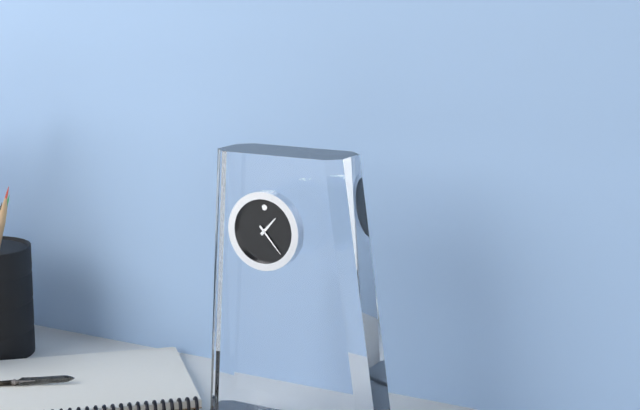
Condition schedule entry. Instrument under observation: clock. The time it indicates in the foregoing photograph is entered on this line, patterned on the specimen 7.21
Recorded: 1.23
